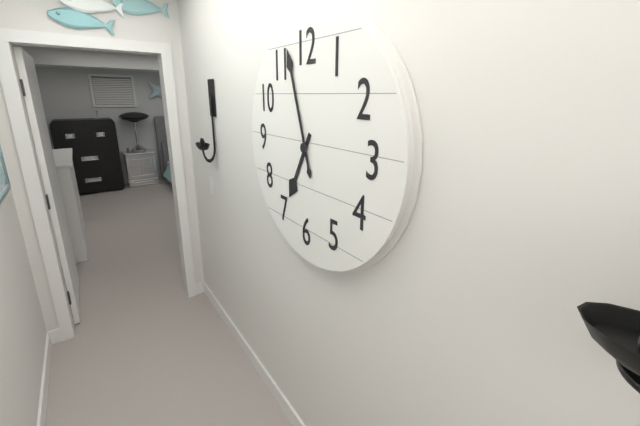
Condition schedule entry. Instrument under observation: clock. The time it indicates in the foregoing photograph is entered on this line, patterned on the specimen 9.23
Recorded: 6.57
